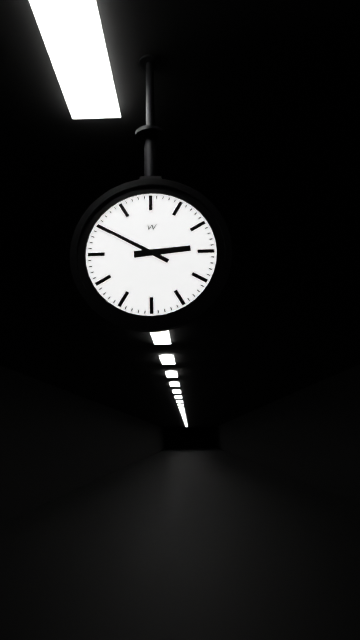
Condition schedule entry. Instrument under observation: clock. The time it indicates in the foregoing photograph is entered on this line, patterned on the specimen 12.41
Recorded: 2.50
